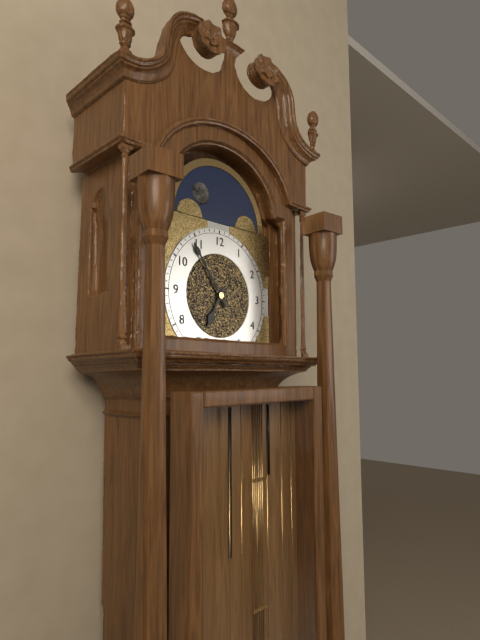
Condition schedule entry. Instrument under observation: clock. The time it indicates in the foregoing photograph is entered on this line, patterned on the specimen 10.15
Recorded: 6.54
